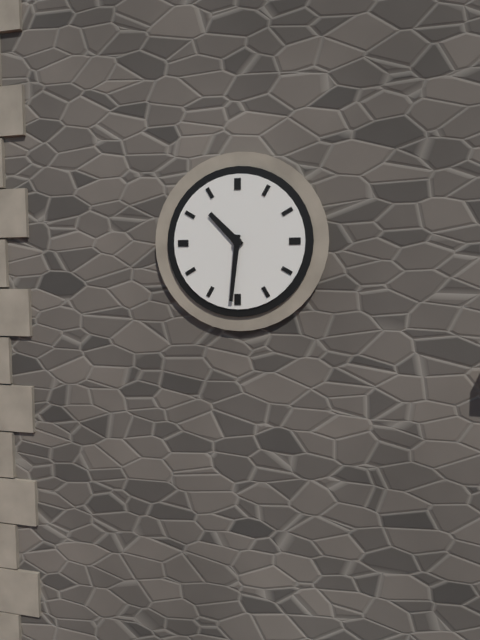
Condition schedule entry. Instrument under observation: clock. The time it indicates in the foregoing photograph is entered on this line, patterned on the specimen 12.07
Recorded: 10.31
